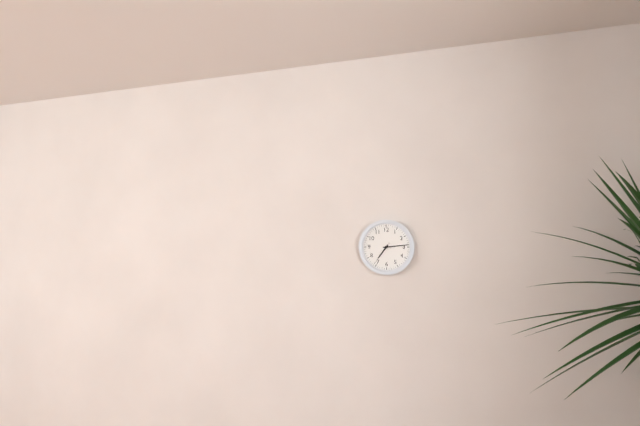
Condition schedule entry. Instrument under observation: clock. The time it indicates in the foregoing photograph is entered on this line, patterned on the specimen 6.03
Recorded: 7.14
